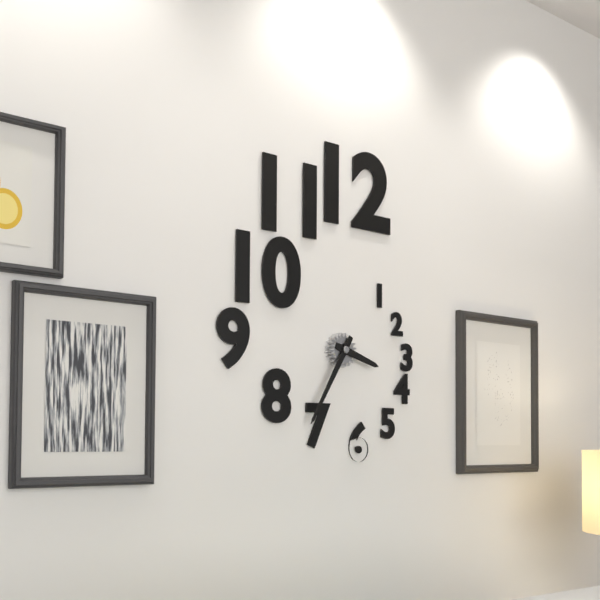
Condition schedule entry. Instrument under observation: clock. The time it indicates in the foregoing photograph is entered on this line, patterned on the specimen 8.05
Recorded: 3.35
